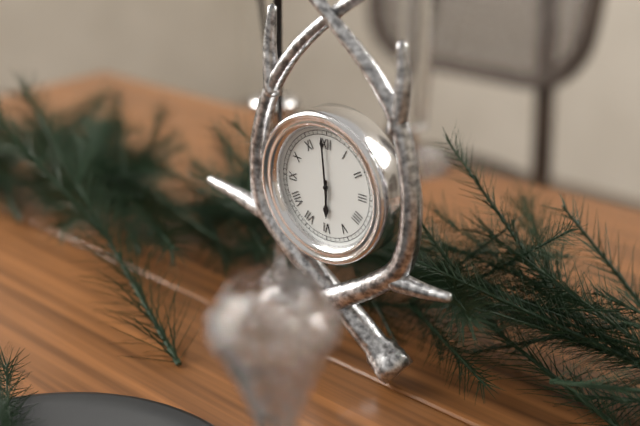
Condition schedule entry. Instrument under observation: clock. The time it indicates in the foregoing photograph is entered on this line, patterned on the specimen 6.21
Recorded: 5.59
